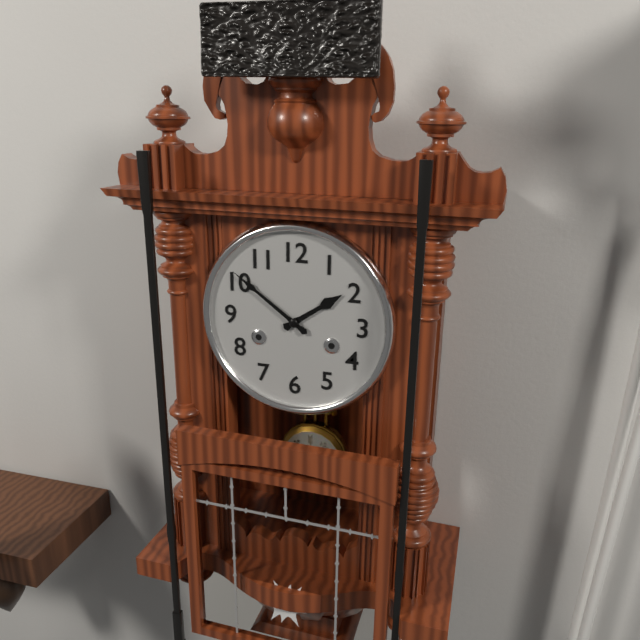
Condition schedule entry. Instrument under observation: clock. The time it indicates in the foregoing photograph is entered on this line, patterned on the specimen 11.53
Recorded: 1.51
